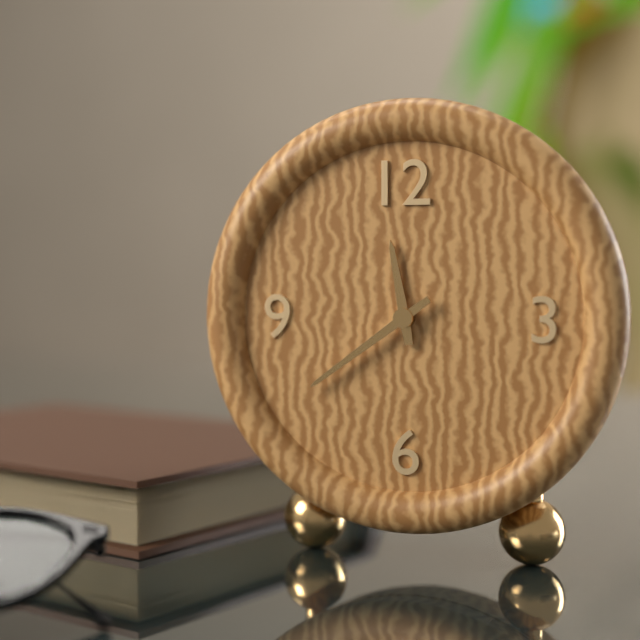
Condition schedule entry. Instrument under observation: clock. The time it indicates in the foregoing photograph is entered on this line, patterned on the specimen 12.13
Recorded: 11.39
